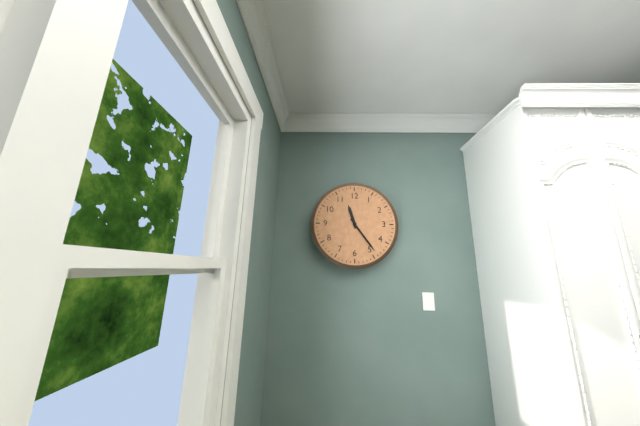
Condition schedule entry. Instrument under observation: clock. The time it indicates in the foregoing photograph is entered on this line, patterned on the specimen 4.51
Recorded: 11.24
